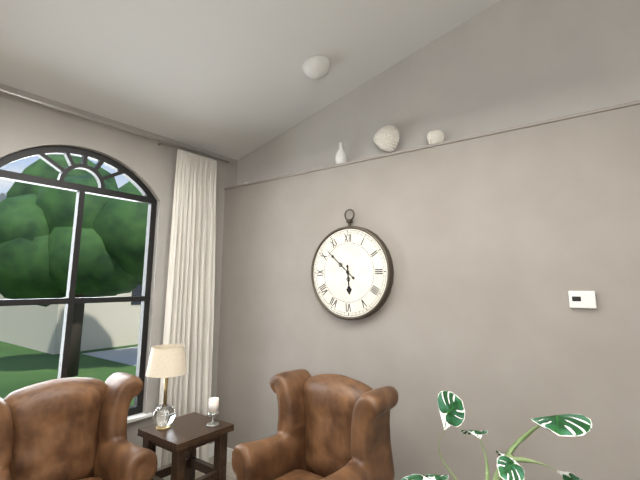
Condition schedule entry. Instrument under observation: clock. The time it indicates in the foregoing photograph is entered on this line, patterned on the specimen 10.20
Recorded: 5.52
